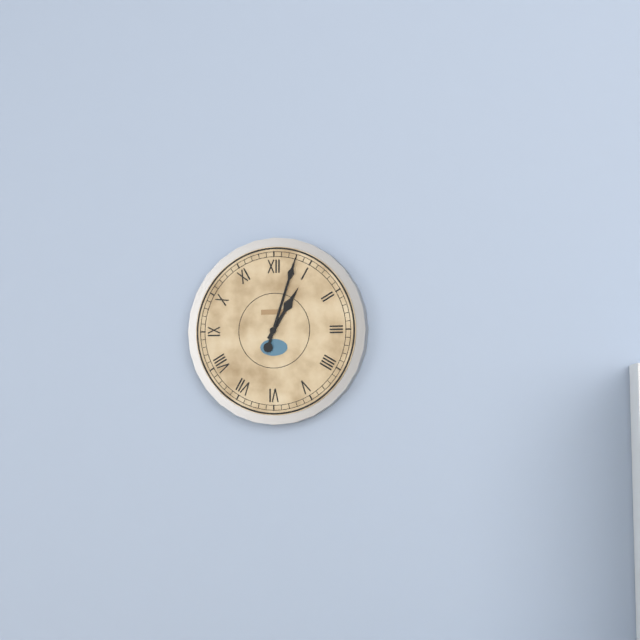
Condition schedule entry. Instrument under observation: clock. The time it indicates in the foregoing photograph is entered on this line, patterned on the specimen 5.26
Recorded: 1.03
